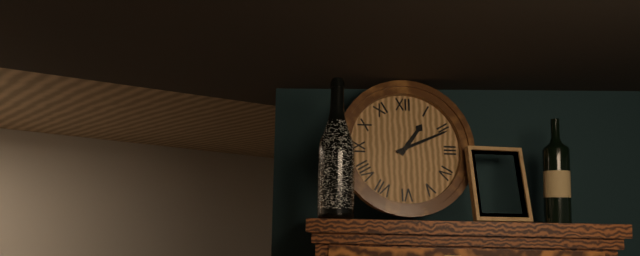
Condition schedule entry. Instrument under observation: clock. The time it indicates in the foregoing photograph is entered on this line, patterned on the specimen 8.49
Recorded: 1.11
